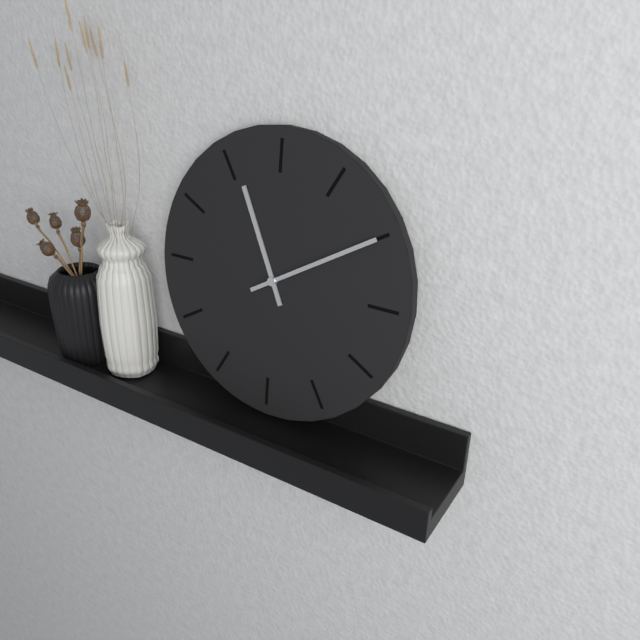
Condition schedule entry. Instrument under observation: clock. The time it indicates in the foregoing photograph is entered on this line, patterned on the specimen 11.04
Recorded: 11.10
